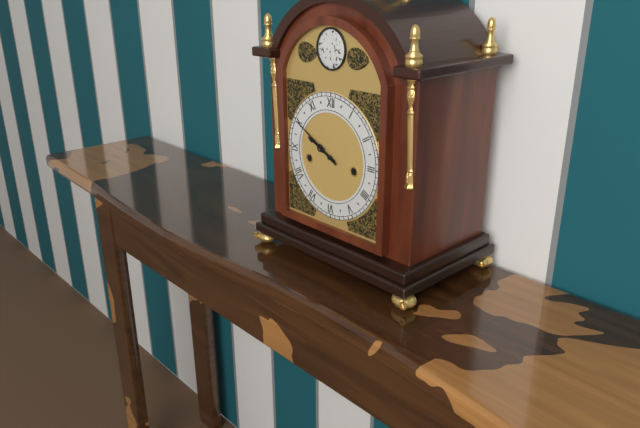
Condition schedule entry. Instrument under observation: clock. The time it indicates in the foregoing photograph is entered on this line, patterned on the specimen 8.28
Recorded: 9.50
